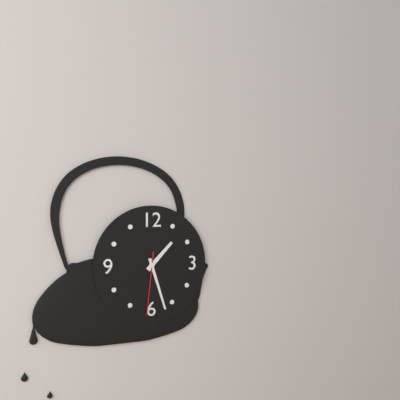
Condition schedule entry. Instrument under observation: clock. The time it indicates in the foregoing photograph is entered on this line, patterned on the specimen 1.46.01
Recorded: 1.27.31
